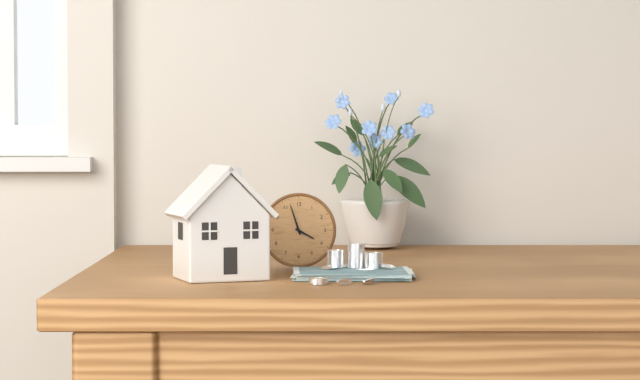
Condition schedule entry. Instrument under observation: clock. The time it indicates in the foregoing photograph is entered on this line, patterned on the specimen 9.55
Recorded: 3.57
